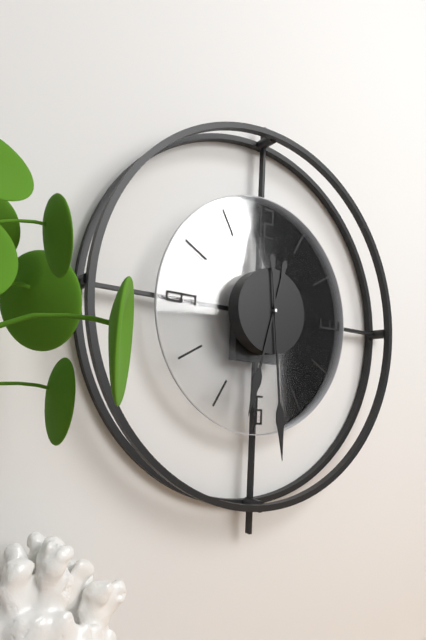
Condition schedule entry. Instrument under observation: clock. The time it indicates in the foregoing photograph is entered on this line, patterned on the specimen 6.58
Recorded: 6.29
